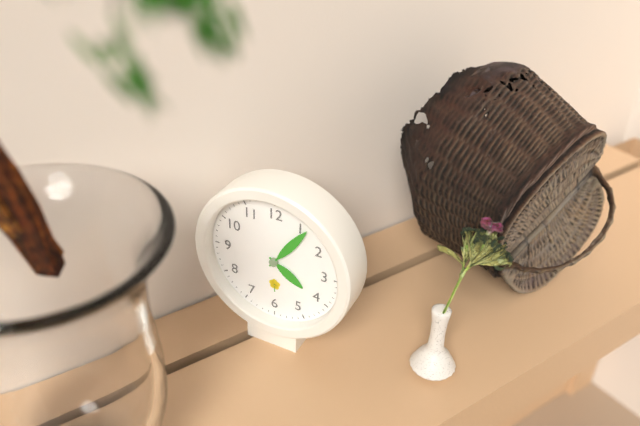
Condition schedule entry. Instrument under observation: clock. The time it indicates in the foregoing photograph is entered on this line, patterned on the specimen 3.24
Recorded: 4.06
